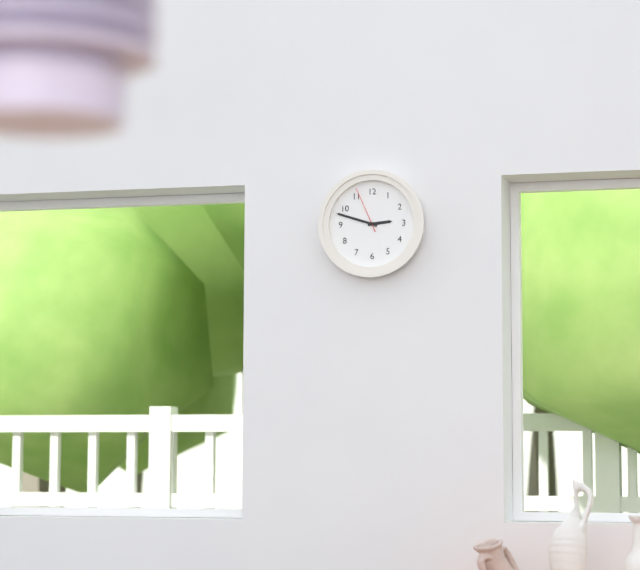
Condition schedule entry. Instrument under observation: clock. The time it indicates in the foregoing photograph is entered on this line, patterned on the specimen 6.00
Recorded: 2.48
